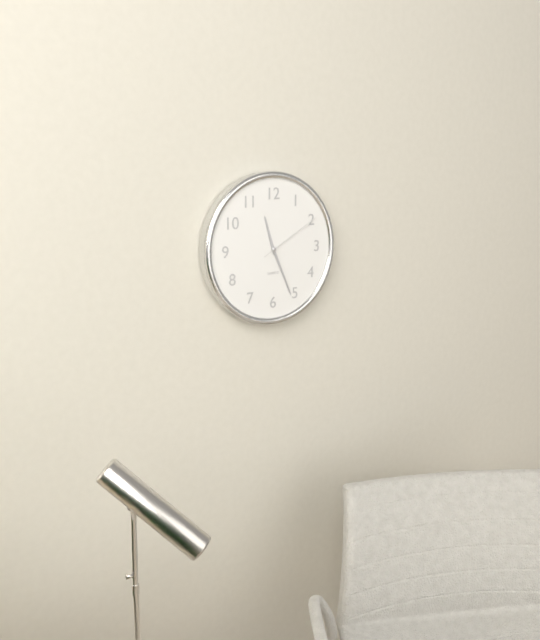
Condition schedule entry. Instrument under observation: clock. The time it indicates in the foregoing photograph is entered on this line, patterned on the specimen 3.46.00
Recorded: 11.26.10
